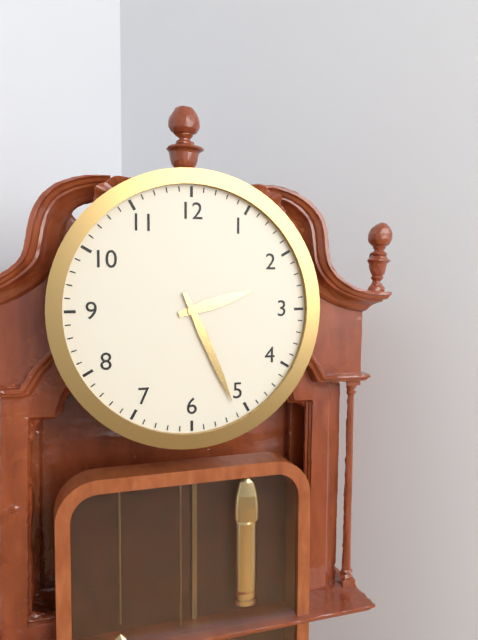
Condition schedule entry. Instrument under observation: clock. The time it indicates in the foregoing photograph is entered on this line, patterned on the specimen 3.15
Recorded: 2.26
